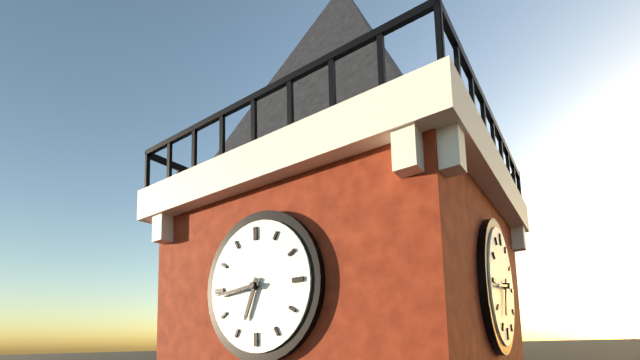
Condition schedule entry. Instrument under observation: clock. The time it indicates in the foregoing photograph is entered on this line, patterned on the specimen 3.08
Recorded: 6.44
